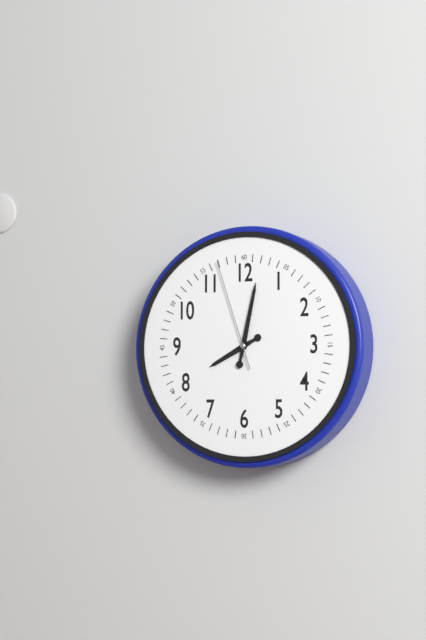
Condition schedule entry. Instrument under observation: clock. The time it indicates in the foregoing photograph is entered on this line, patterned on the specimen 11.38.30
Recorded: 8.02.57
